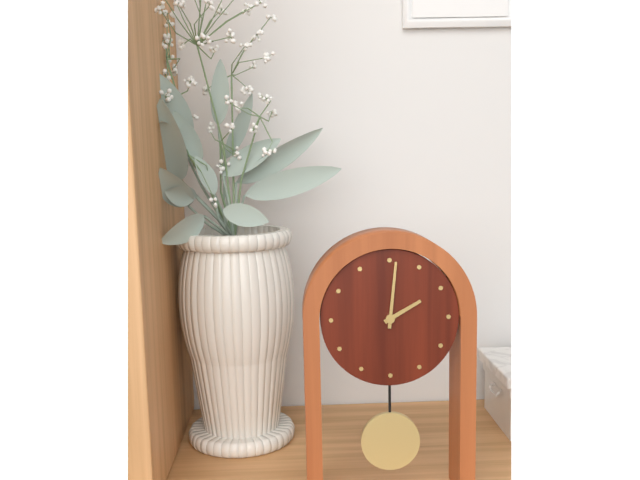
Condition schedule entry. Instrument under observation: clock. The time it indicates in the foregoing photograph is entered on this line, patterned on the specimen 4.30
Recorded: 2.01
